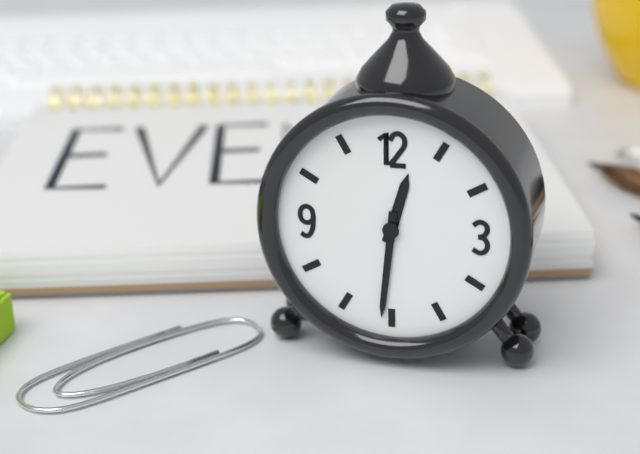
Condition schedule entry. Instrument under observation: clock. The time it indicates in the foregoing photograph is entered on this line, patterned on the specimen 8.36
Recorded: 12.31
